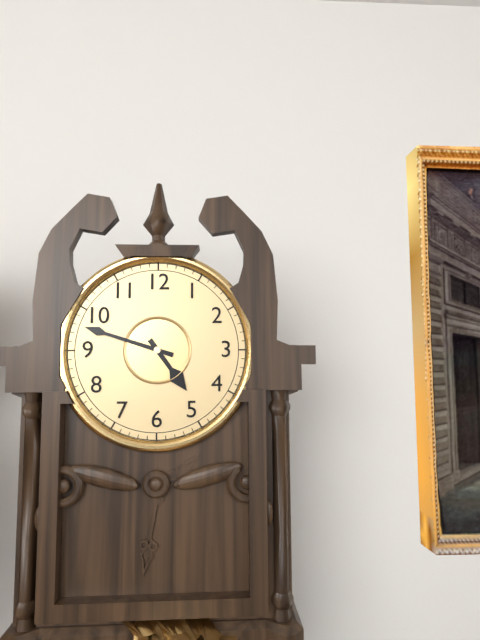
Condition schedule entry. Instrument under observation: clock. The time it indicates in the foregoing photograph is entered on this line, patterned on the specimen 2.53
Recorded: 4.48
